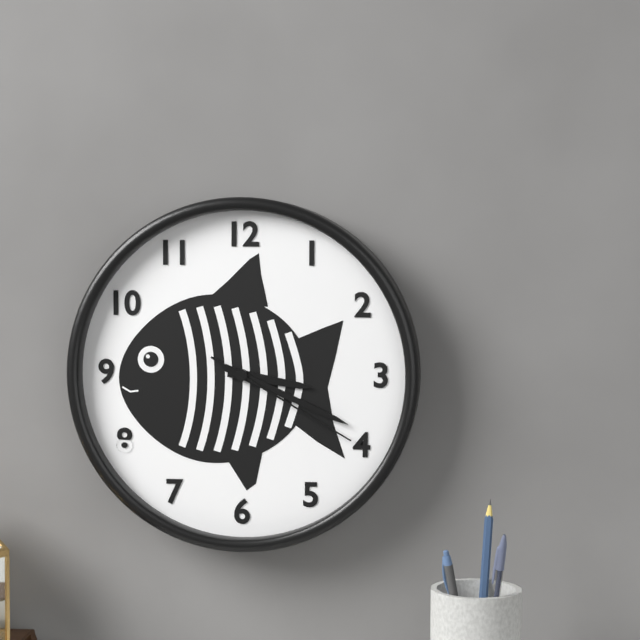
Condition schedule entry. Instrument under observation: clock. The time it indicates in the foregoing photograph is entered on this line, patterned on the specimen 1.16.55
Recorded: 3.19.20
